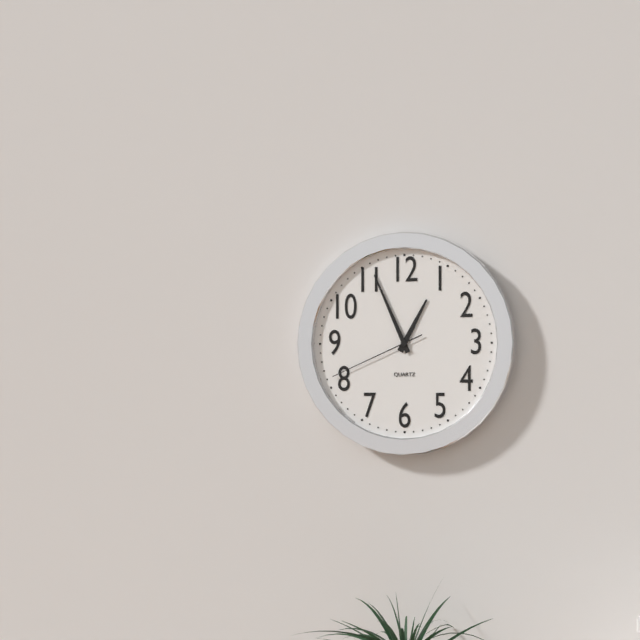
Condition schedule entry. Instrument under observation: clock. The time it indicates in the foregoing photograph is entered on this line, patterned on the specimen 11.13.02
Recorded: 12.56.41
